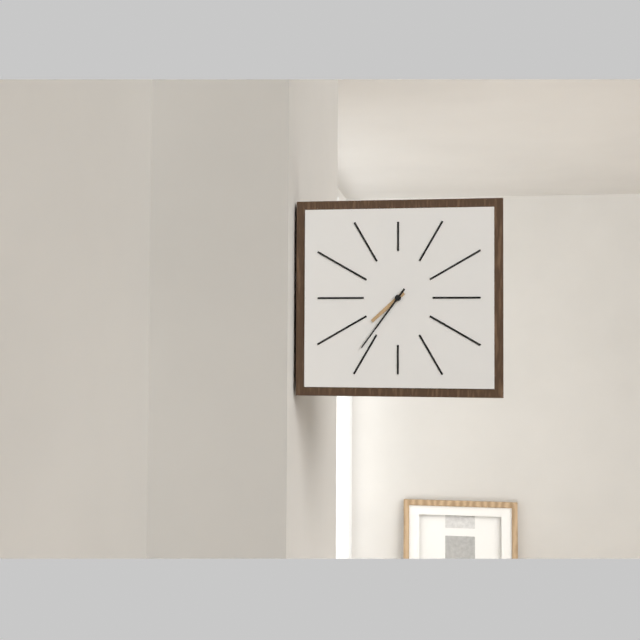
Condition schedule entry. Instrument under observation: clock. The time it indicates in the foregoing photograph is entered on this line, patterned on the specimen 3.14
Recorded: 7.36
